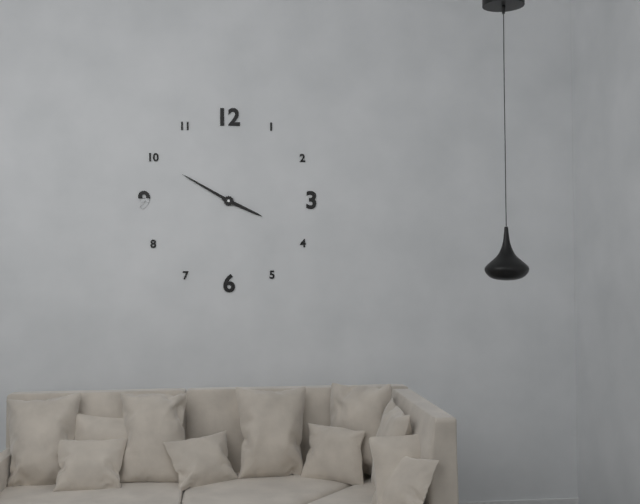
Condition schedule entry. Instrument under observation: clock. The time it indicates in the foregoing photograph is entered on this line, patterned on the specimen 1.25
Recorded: 3.50
